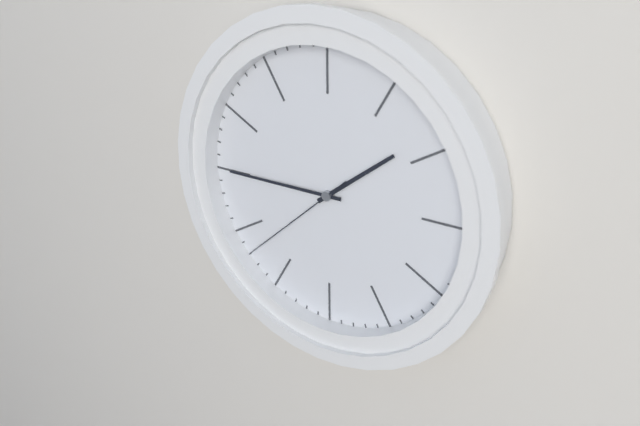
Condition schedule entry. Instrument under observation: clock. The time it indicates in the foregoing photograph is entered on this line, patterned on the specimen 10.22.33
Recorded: 1.45.38
